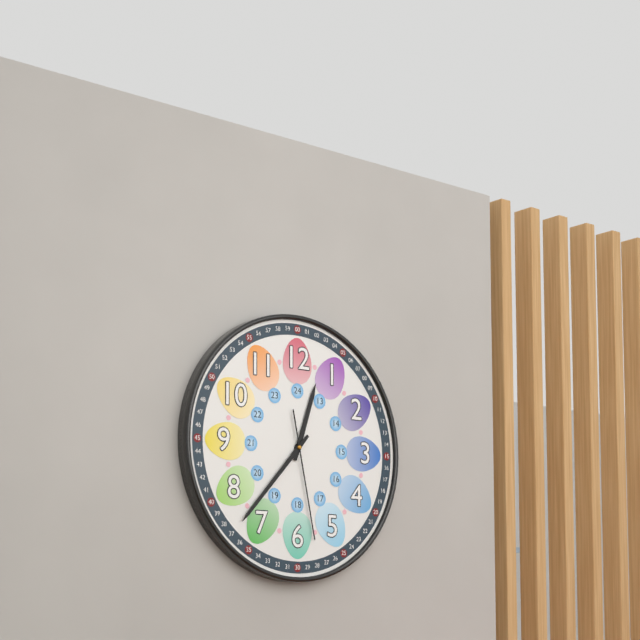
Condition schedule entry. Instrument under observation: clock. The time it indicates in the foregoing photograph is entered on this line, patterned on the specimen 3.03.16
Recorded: 12.37.28
